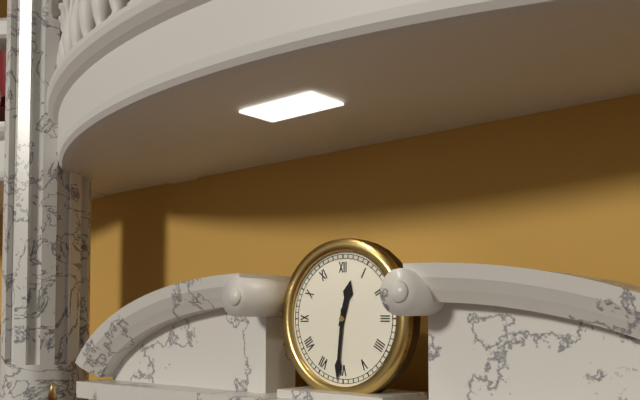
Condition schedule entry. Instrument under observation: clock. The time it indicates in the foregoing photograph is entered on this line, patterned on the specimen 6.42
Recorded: 12.31
